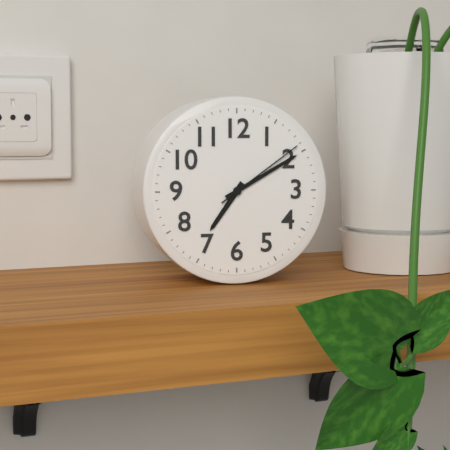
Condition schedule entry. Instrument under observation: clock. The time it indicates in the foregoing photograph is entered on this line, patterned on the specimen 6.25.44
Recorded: 7.10.09
